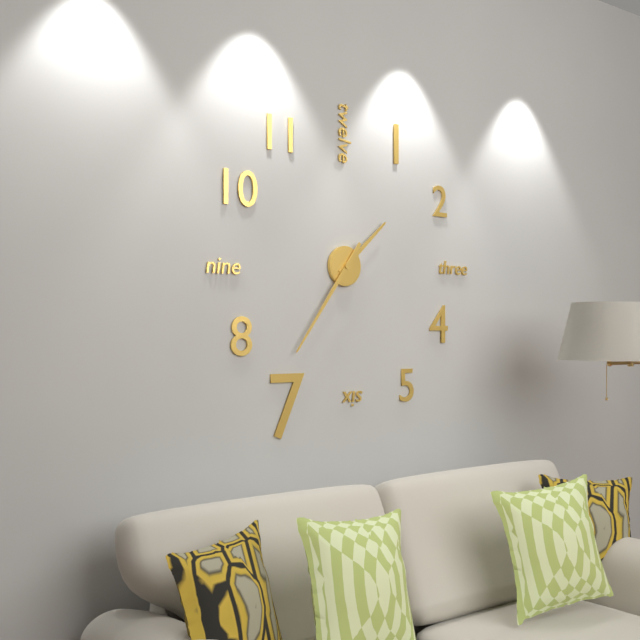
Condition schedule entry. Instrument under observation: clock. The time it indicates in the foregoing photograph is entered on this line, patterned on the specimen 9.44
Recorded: 1.36
